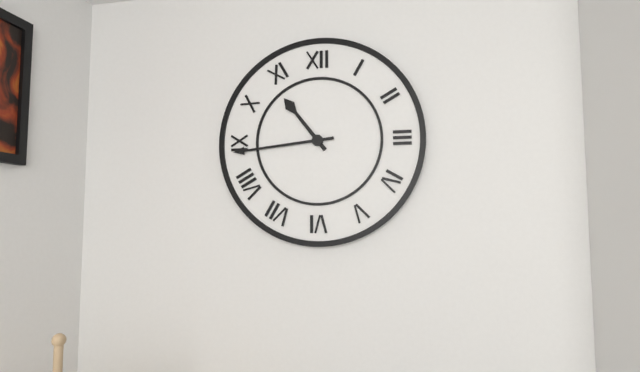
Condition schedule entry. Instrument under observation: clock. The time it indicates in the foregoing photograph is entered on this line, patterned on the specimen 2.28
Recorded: 10.44
